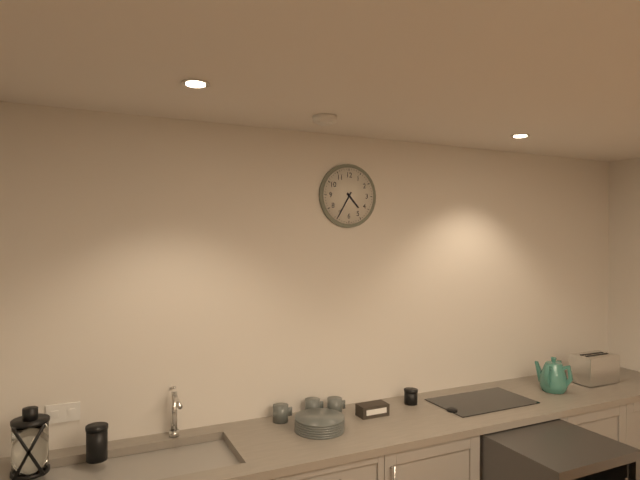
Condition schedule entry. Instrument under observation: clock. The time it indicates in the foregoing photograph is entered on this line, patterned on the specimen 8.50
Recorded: 4.35
